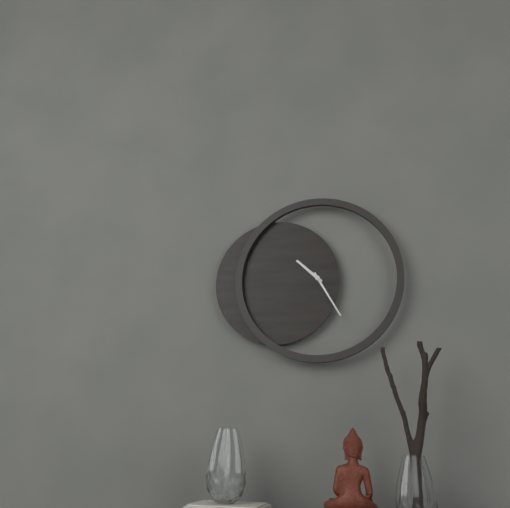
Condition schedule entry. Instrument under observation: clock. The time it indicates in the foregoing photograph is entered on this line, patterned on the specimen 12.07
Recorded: 10.25
